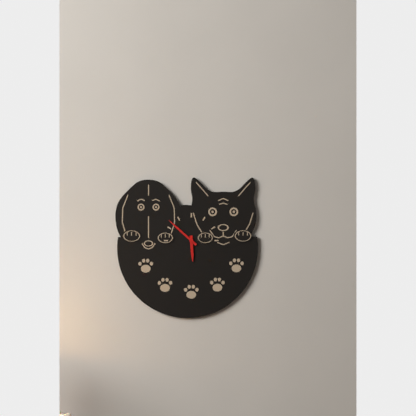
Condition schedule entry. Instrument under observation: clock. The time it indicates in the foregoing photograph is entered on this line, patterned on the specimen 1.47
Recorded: 5.52
